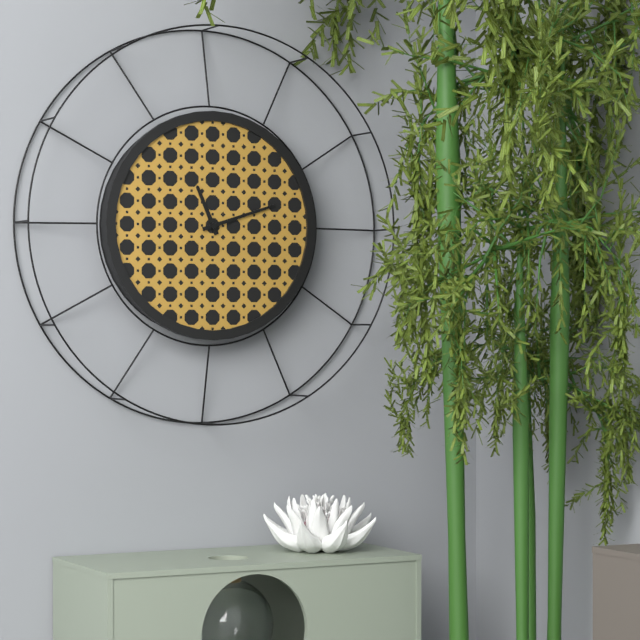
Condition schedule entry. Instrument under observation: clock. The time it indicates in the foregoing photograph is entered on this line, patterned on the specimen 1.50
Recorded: 11.12
